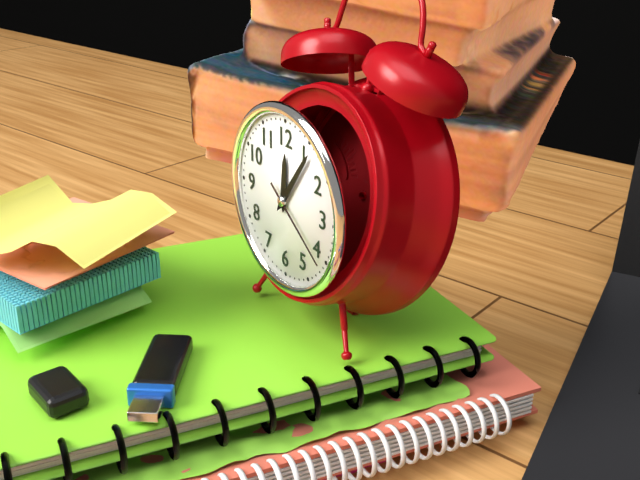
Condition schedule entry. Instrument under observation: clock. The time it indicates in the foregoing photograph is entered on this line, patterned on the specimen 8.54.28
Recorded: 12.06.21
